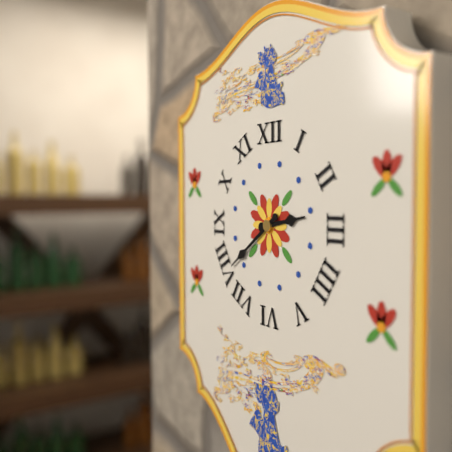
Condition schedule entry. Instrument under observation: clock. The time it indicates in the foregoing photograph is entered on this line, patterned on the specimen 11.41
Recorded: 2.39
